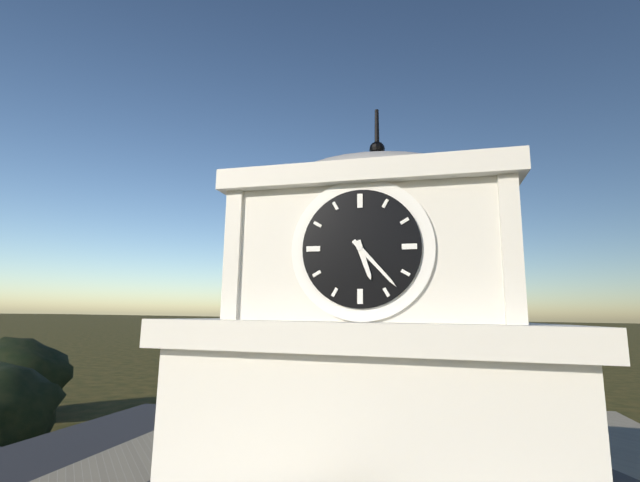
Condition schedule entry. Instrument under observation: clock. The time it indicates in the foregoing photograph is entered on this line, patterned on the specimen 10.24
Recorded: 5.23
